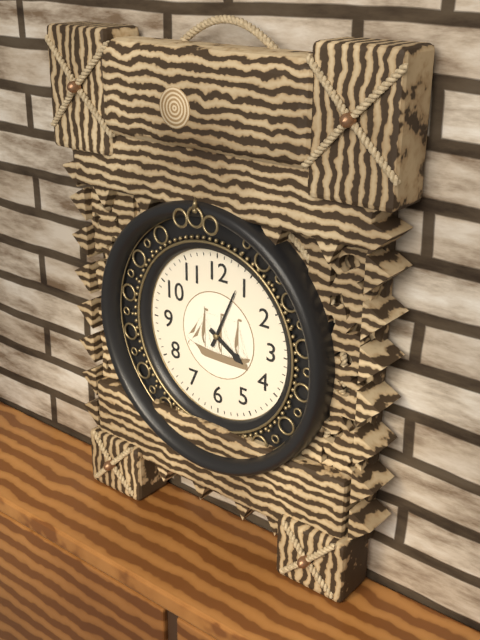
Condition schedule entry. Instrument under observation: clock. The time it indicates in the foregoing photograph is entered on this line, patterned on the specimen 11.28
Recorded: 4.04
